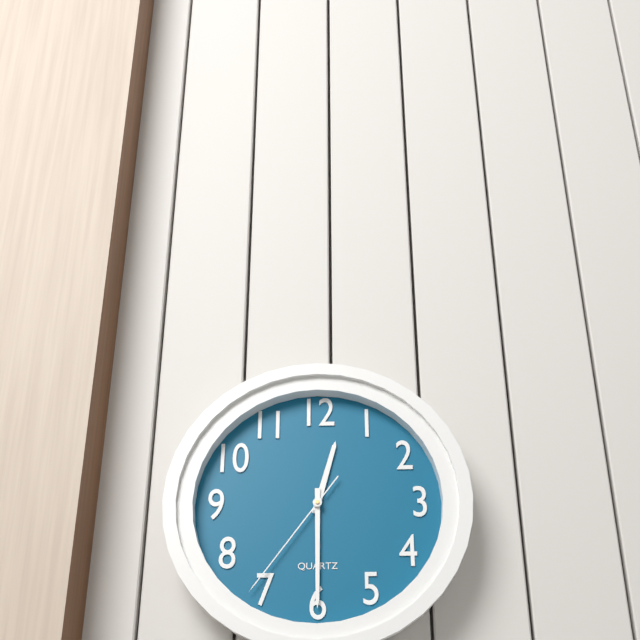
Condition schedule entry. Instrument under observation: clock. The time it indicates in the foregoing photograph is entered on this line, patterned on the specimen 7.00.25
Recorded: 12.30.36
